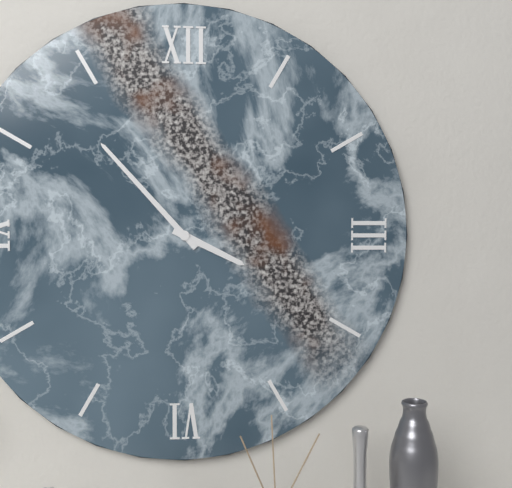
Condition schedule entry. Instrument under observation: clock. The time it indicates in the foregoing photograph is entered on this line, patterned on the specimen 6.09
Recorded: 3.53
